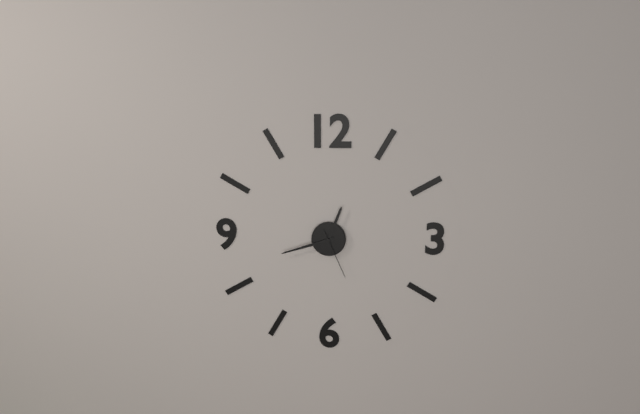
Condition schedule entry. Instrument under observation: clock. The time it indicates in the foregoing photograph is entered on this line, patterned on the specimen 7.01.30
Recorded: 12.42.26
